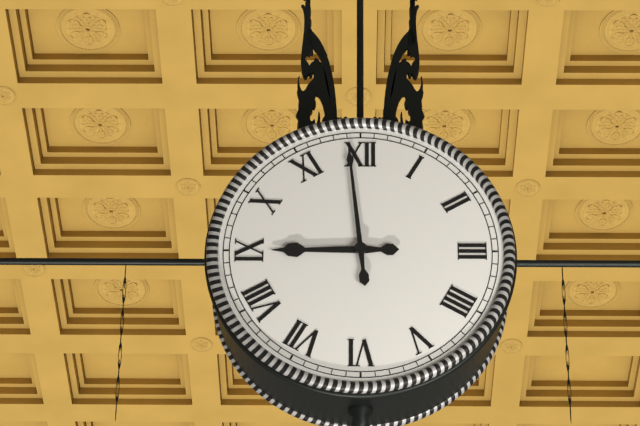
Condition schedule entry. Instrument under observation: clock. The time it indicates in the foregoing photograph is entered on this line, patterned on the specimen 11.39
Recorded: 8.59
